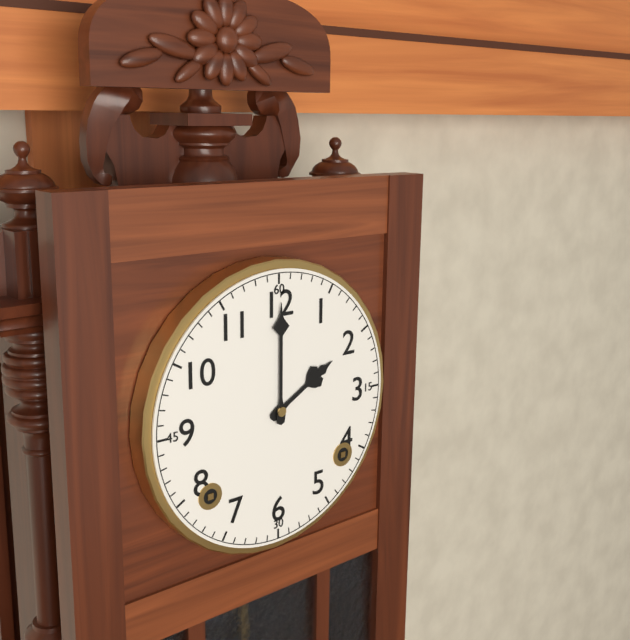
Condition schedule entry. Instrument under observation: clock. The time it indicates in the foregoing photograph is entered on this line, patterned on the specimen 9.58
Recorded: 2.00
